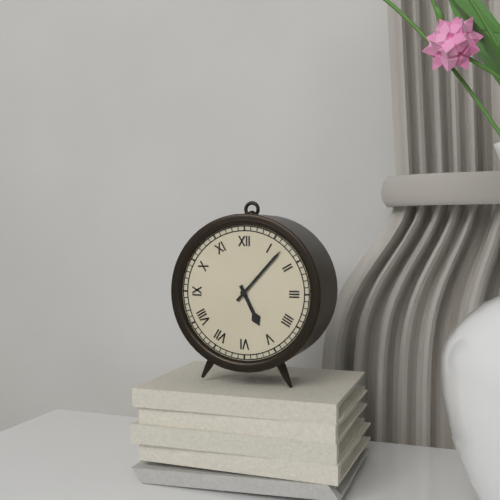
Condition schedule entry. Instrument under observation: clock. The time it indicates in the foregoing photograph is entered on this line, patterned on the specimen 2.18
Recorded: 5.07
